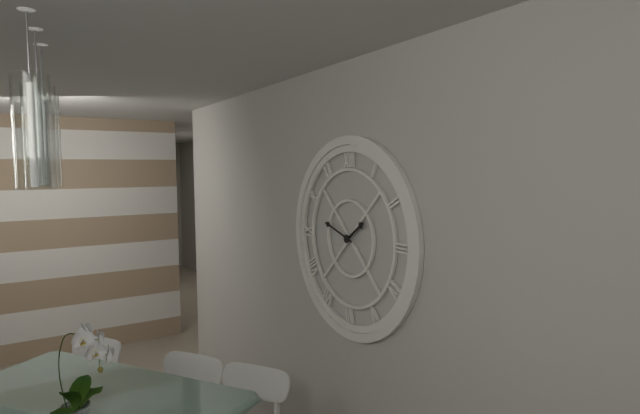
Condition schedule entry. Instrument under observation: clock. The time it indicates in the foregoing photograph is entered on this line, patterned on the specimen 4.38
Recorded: 1.48
